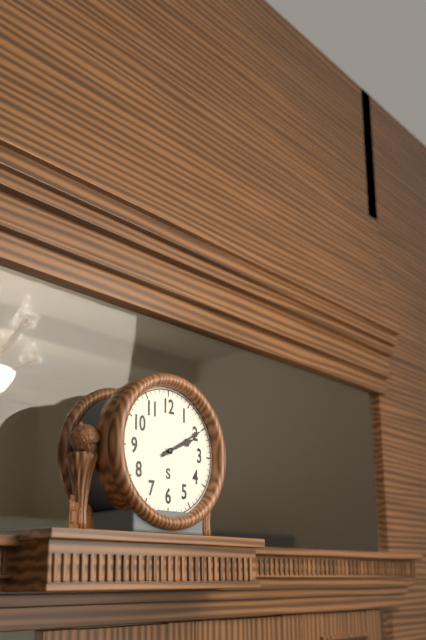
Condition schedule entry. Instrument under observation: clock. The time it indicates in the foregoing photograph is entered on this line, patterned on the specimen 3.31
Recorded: 2.10
